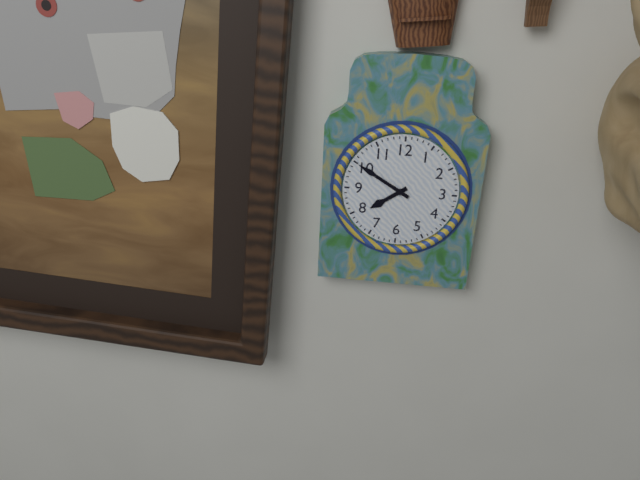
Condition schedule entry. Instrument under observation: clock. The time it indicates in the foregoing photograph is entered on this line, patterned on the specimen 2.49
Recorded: 7.50
